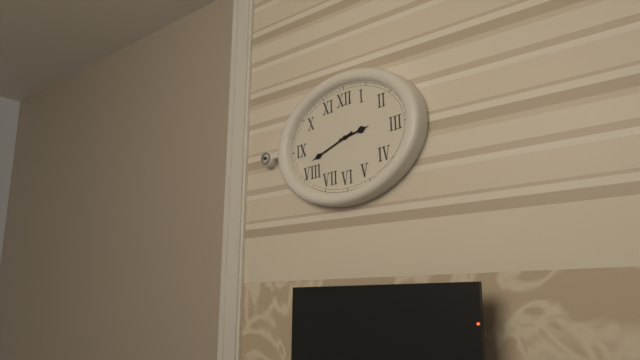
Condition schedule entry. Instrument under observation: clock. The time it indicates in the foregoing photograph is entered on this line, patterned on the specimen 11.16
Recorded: 2.42
